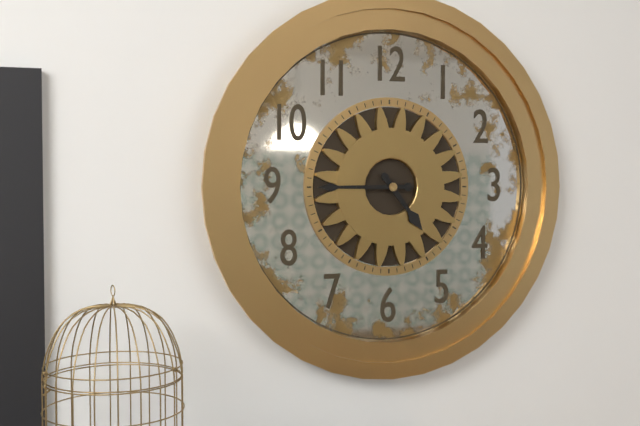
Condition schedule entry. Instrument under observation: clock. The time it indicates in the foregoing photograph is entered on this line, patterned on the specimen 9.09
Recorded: 4.45
